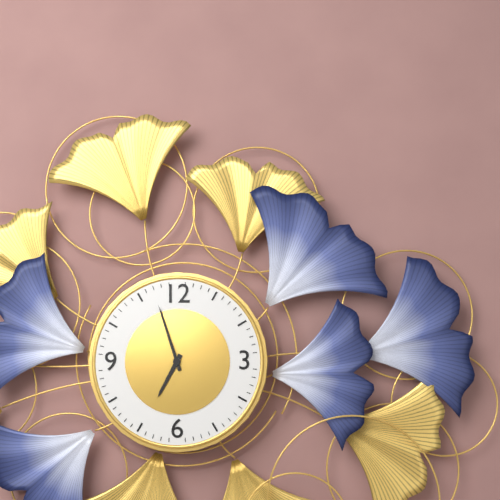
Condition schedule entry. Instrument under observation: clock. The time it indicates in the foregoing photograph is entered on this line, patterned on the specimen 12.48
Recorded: 6.57
